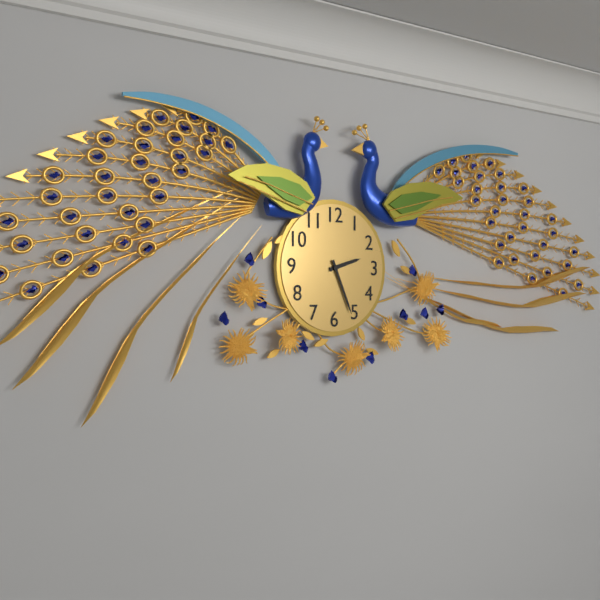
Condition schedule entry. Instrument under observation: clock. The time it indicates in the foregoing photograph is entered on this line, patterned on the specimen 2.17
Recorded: 2.26
